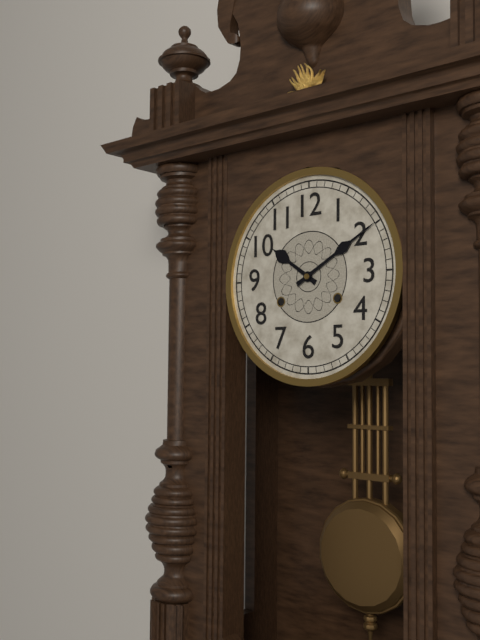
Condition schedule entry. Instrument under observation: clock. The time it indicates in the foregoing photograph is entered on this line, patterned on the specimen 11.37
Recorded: 10.10
